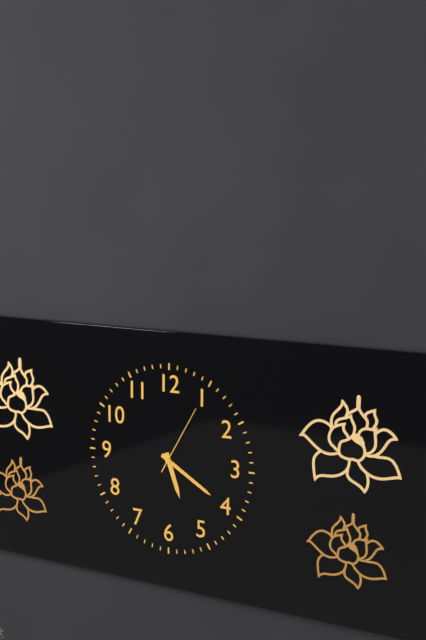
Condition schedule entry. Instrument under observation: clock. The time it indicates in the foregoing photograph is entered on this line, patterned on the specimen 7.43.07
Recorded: 5.20.05
